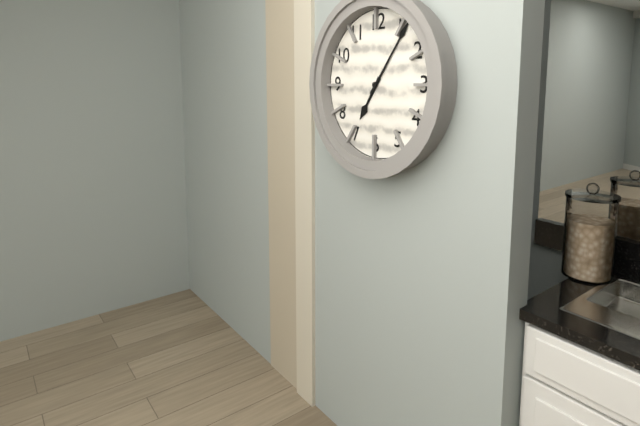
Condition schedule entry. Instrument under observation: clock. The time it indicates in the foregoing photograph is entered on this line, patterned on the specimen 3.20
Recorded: 7.06
